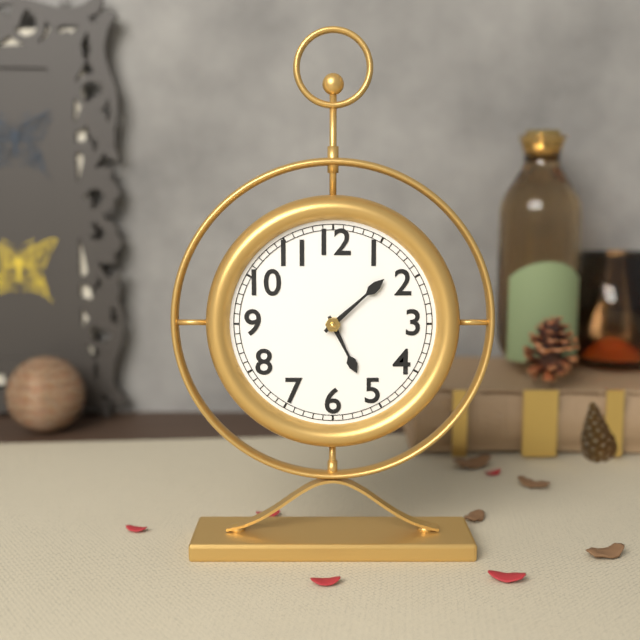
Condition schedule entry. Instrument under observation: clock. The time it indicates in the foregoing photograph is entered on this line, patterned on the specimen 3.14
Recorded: 5.08
